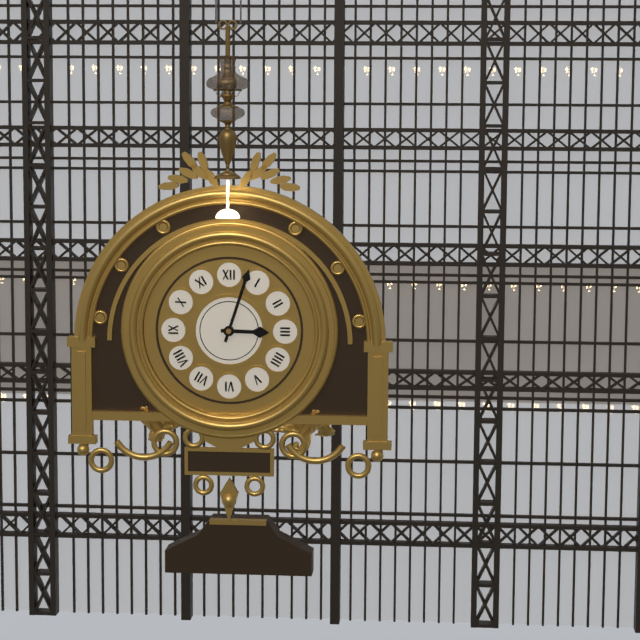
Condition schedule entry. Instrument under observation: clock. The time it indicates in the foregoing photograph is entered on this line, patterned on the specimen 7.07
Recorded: 3.03
